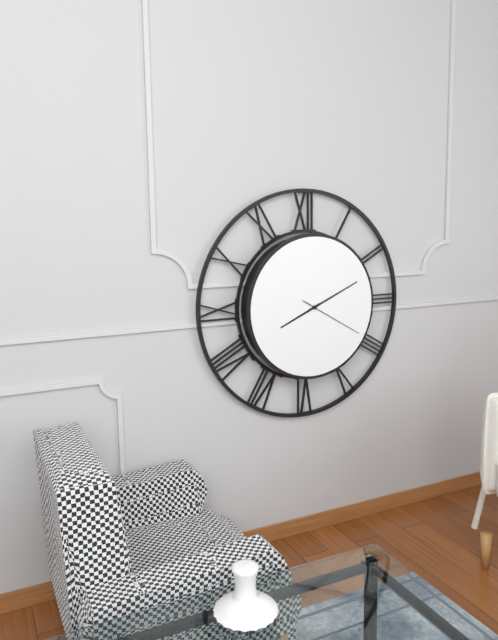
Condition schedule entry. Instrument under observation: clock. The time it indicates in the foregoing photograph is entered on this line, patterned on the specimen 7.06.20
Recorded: 8.11.20
